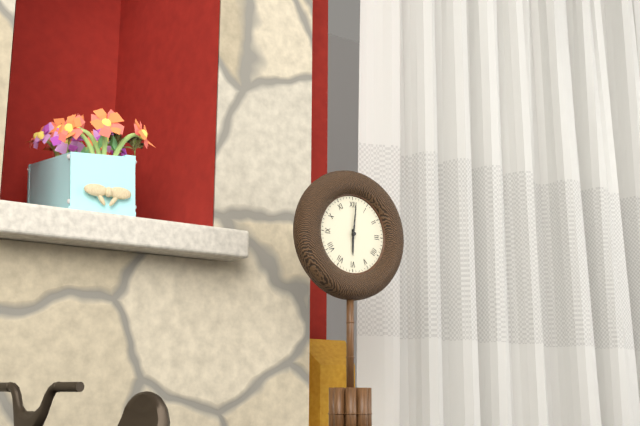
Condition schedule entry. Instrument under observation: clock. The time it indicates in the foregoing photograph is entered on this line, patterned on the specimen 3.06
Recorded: 6.01
